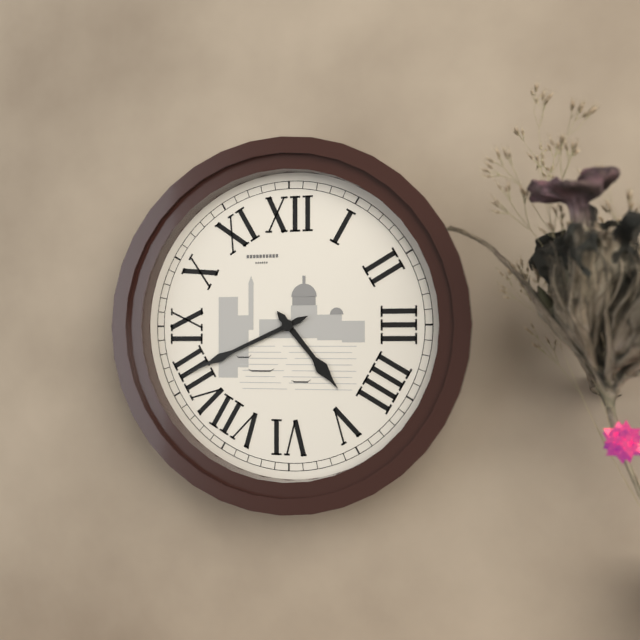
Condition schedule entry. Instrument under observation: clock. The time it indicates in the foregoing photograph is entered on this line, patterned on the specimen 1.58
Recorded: 4.41
